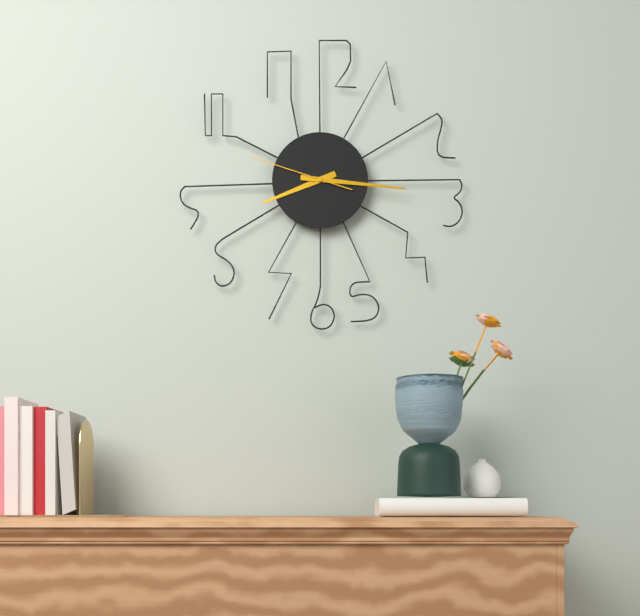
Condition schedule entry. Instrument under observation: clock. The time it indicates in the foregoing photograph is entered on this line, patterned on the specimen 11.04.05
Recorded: 8.16.48
